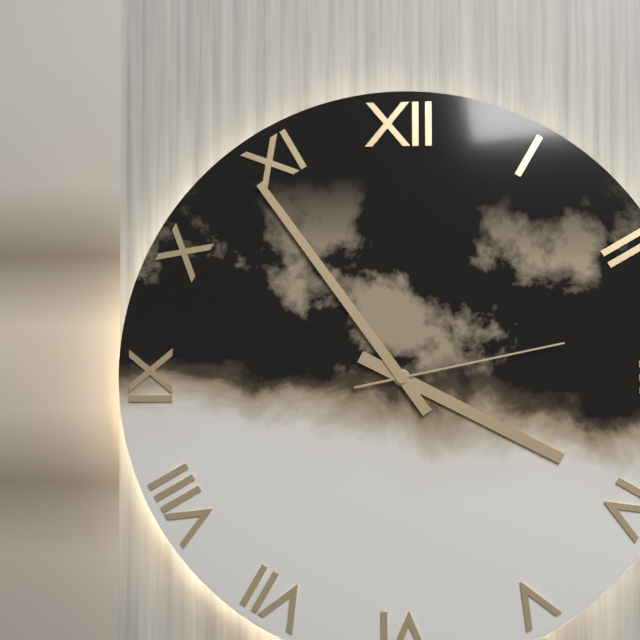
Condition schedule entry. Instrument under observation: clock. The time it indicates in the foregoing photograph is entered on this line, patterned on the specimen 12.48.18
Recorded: 3.54.13
